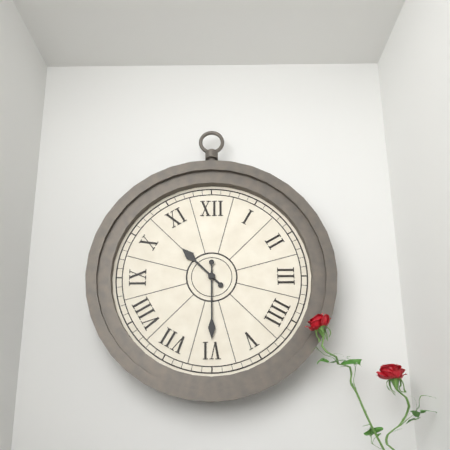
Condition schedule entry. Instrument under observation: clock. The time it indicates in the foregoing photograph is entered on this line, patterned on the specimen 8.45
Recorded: 10.30
